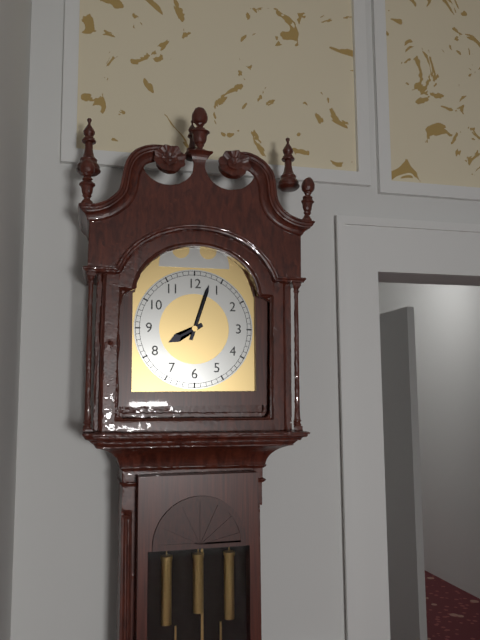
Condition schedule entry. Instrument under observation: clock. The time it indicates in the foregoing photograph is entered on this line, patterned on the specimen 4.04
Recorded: 8.03
